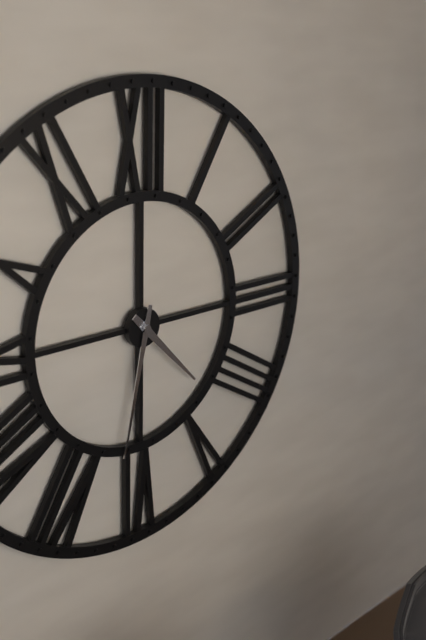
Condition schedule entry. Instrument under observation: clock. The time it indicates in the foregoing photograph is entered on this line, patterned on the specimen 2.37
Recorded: 4.32
